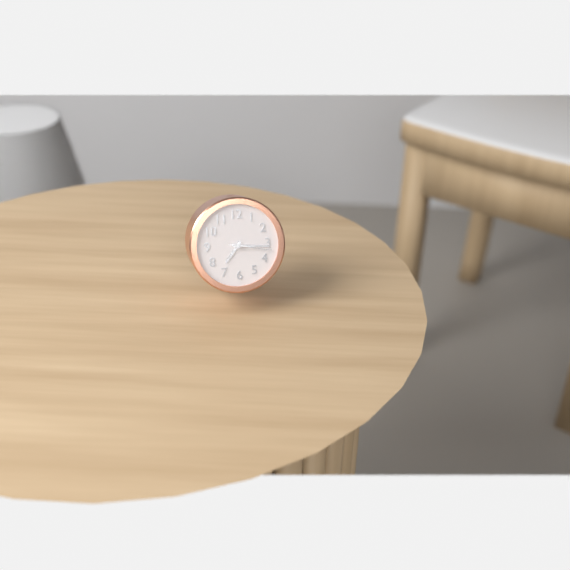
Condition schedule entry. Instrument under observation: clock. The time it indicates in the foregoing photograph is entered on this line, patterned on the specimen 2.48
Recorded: 7.16
